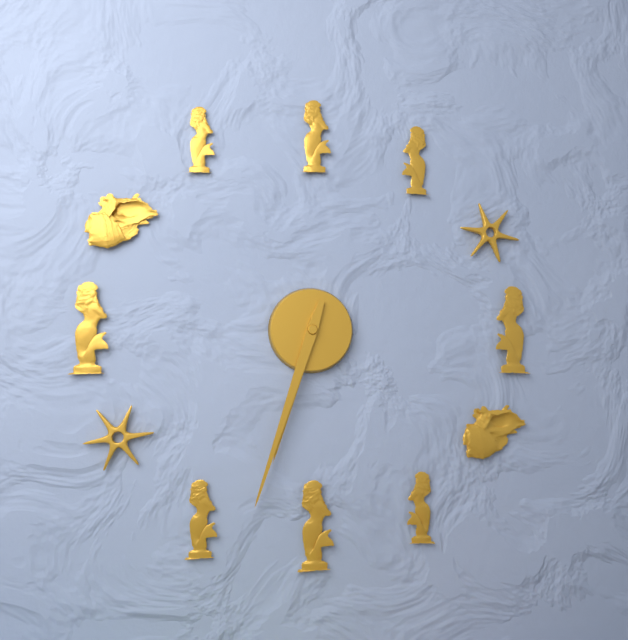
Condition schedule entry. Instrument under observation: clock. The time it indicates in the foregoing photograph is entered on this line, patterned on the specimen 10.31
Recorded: 6.33
